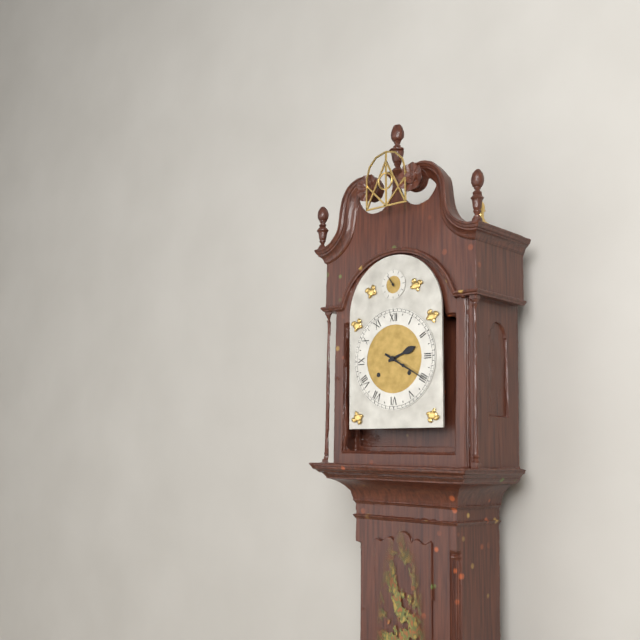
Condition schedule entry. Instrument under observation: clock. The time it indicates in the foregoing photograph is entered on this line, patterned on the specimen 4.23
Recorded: 2.20
